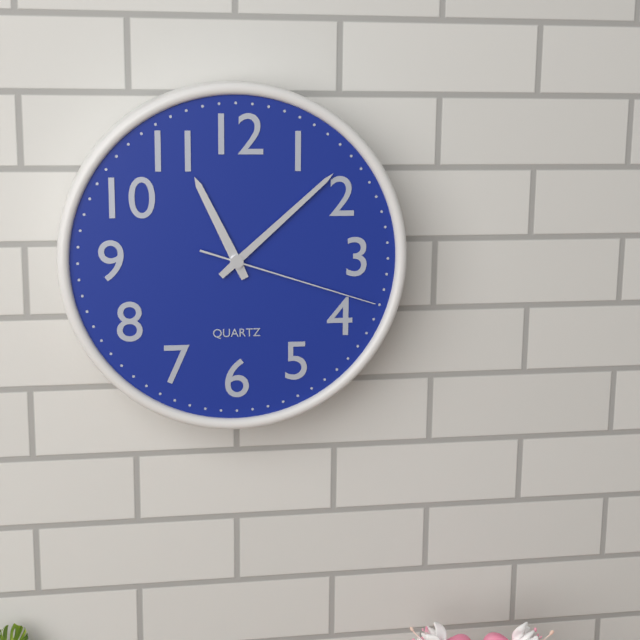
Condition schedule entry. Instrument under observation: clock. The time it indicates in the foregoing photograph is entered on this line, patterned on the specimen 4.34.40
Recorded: 11.08.18
